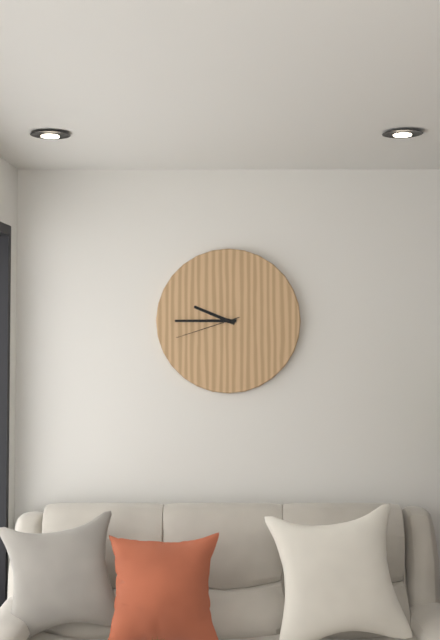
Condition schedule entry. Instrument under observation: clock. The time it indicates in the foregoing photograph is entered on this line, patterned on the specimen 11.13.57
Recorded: 9.45.42
